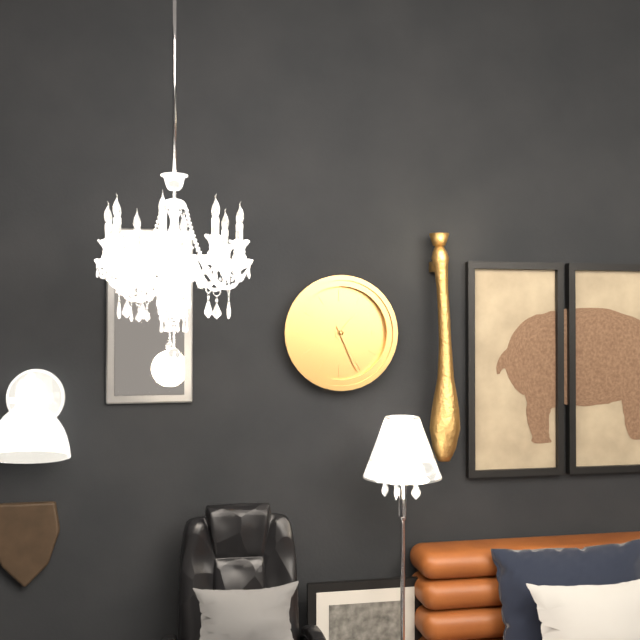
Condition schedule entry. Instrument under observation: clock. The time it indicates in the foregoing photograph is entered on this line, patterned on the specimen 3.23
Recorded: 1.26
